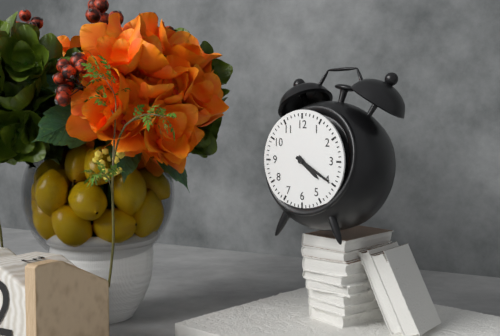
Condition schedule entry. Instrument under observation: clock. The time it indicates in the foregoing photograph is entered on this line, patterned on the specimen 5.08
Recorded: 4.20
